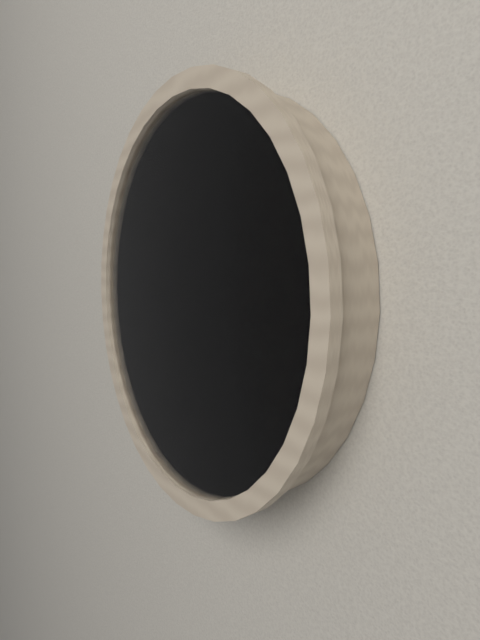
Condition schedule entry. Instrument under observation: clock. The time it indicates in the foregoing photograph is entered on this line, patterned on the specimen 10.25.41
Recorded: 1.53.17
